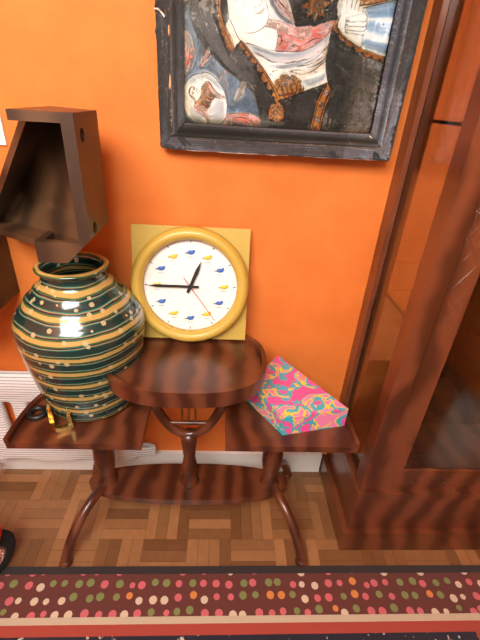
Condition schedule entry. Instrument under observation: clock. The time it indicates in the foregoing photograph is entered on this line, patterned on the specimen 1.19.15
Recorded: 12.45.24
